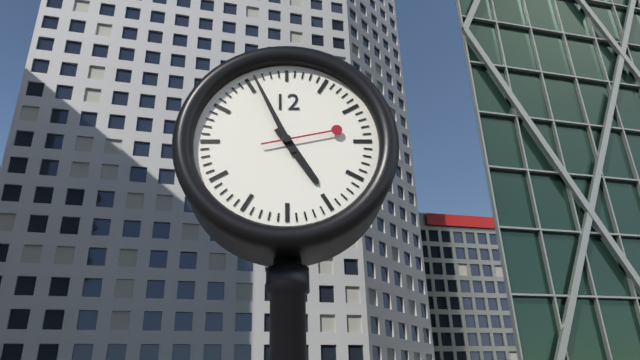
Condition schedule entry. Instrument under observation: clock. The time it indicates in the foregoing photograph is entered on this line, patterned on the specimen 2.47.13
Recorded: 4.56.13
